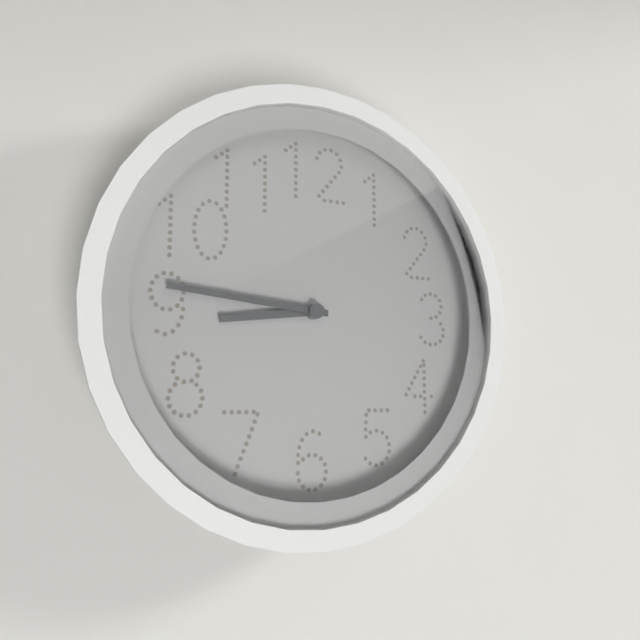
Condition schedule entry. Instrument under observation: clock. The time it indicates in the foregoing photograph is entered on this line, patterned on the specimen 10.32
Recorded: 8.46
